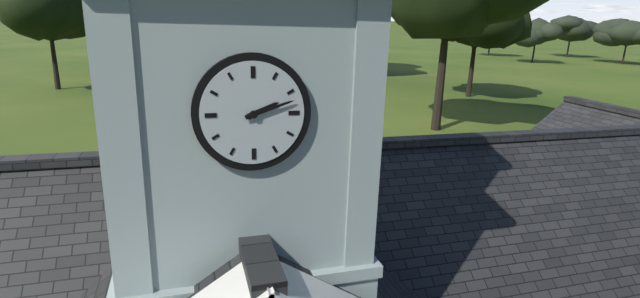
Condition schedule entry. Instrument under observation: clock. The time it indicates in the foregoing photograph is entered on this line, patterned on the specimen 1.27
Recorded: 2.12
